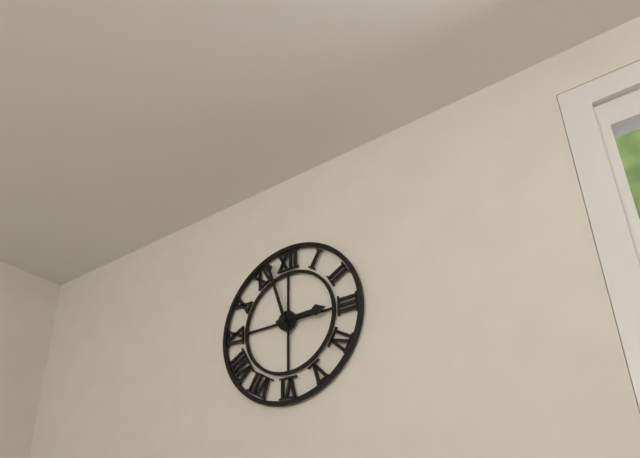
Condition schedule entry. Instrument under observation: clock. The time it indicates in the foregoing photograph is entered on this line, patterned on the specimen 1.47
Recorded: 2.57
